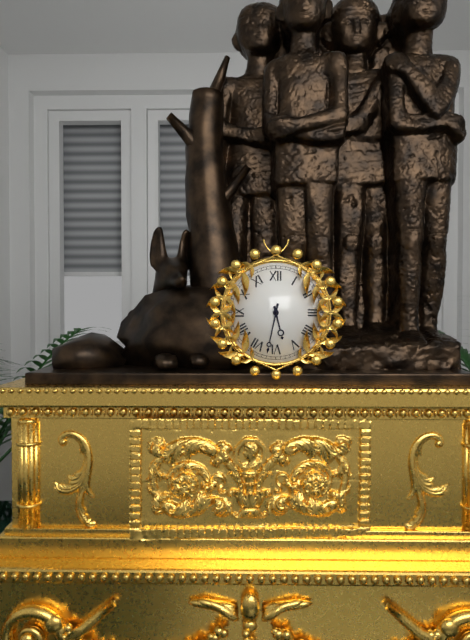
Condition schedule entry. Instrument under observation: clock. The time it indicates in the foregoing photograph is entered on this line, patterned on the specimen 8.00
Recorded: 5.32
